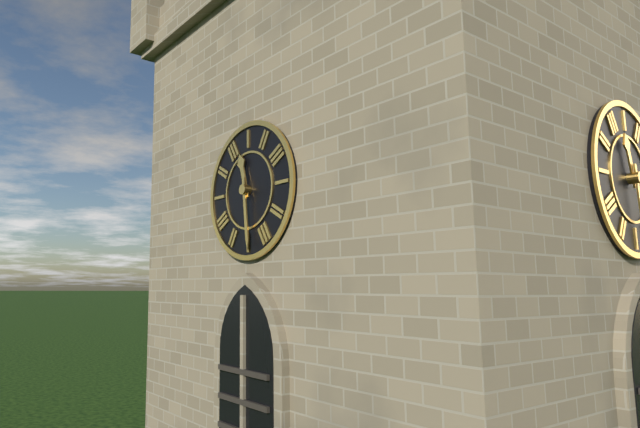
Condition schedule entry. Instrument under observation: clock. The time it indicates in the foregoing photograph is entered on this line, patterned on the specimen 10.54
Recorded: 11.29
